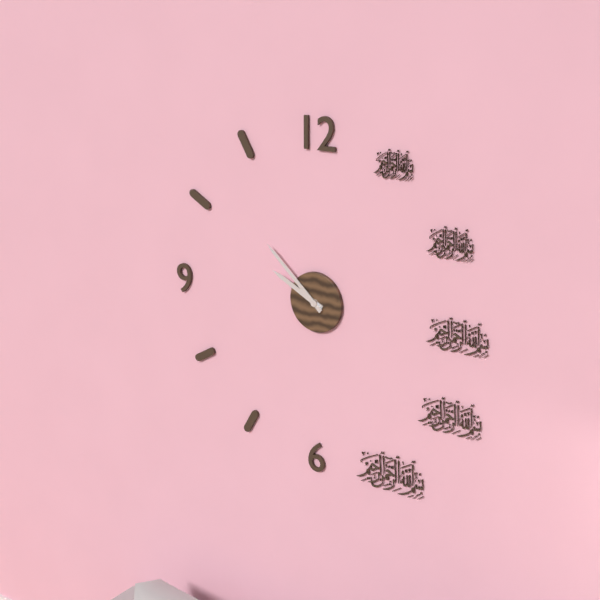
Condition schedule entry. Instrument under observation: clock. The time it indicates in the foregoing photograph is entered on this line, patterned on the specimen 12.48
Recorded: 9.52
